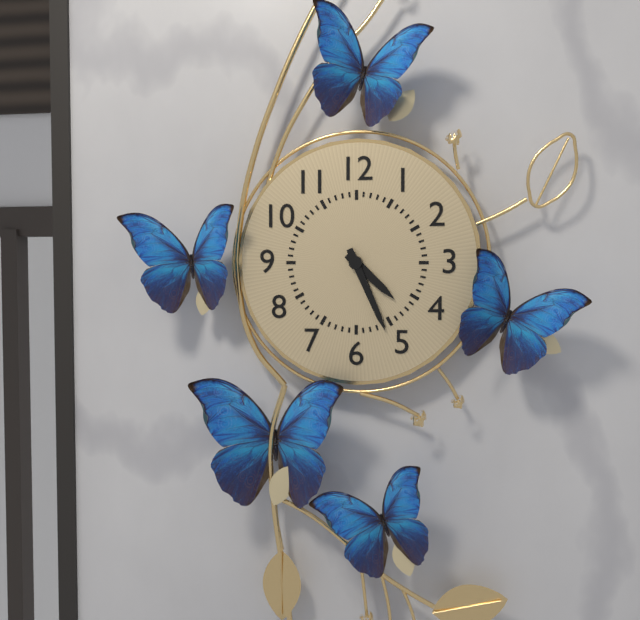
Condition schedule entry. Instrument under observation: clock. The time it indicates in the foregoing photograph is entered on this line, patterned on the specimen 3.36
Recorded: 4.26
